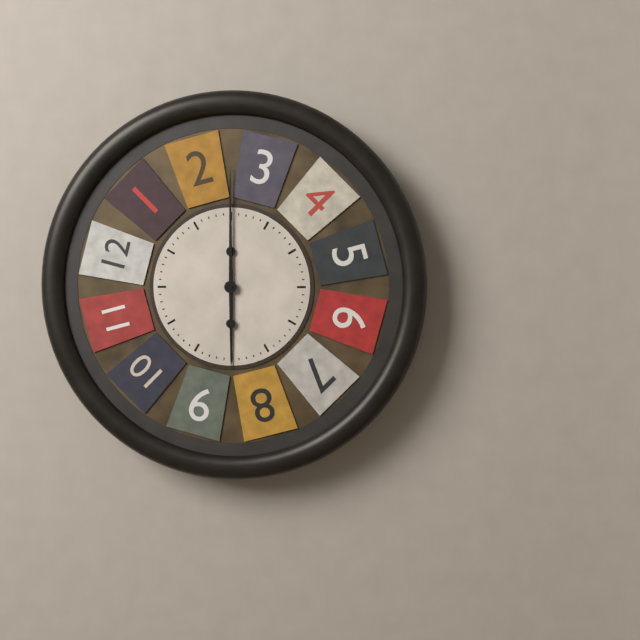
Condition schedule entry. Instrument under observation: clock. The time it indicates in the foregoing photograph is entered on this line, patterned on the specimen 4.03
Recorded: 6.00
